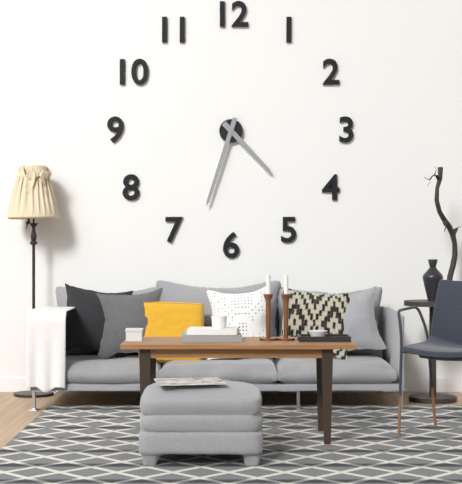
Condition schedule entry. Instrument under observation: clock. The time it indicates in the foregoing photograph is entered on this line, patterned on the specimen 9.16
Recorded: 4.33
